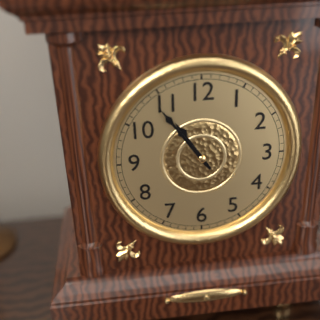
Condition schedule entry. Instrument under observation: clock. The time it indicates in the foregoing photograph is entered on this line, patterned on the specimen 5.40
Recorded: 10.54
